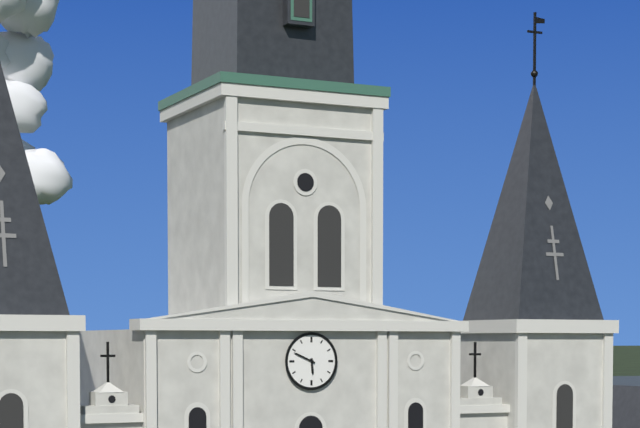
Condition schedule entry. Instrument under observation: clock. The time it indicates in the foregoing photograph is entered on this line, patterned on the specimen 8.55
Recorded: 5.49
